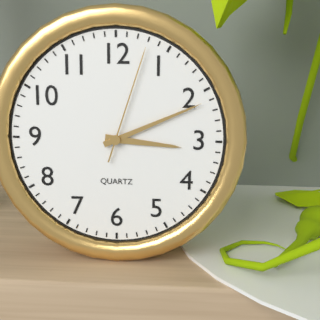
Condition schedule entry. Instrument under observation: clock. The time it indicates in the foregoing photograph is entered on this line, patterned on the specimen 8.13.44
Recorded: 3.11.03
